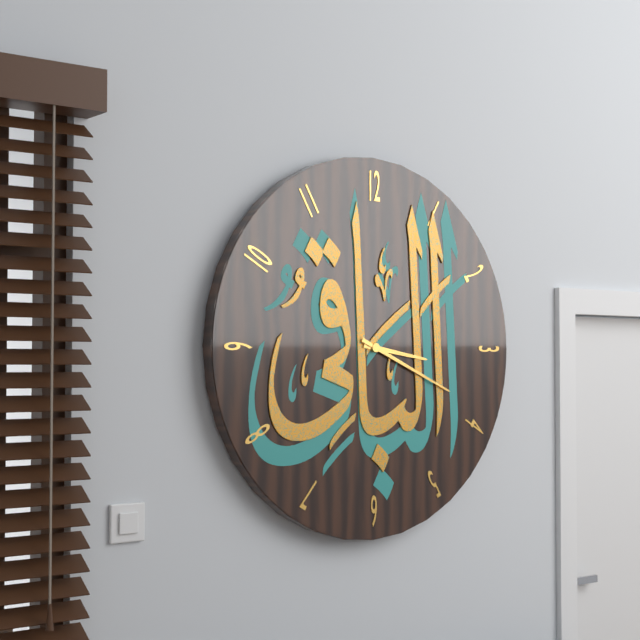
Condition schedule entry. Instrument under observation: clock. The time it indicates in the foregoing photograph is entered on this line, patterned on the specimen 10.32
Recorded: 3.19
